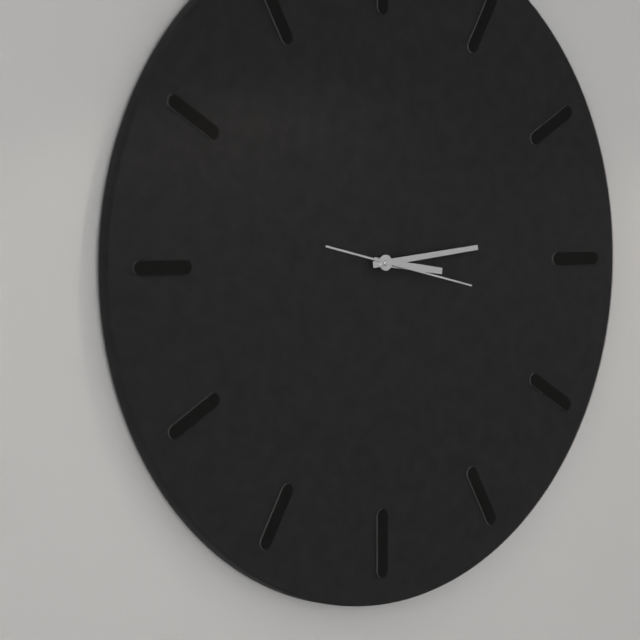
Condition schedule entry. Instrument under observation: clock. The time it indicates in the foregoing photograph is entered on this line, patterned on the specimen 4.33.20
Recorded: 3.14.17
